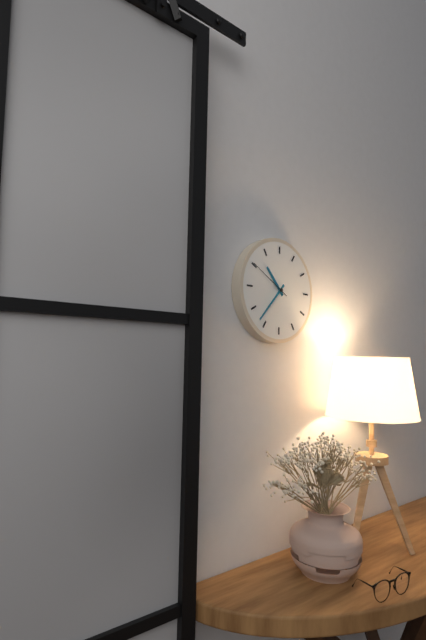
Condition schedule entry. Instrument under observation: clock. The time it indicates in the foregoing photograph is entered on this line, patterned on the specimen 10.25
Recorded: 10.37
